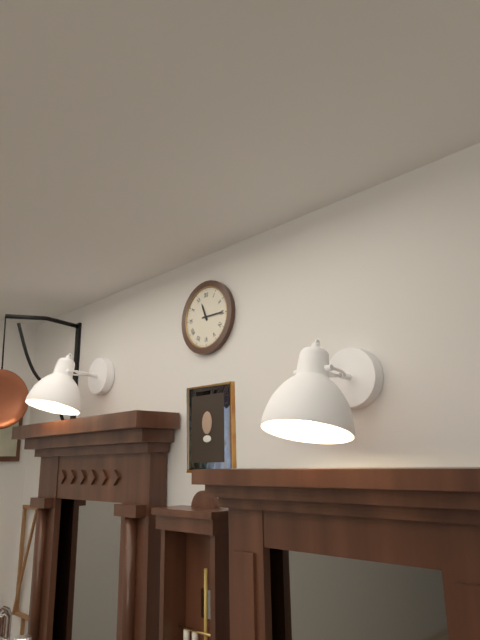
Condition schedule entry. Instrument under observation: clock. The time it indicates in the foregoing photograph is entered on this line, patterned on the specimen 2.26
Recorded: 11.15
